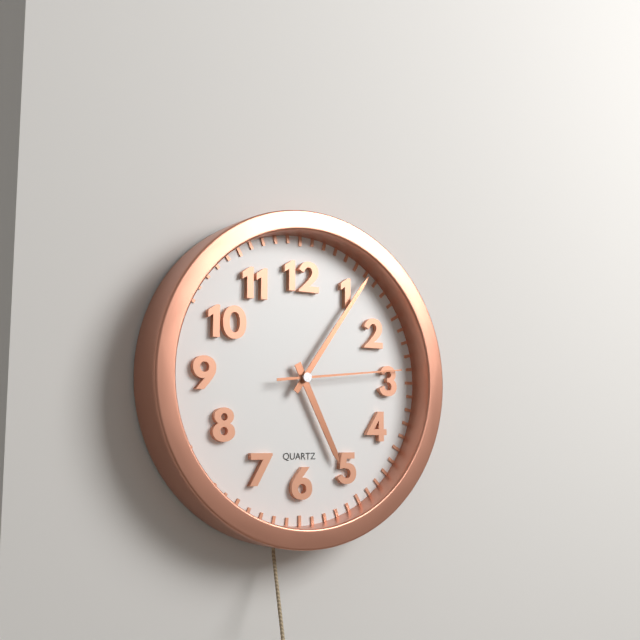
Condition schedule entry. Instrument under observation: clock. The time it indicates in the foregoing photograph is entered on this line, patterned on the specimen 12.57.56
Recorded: 5.06.14
